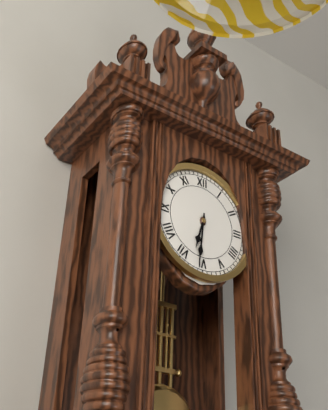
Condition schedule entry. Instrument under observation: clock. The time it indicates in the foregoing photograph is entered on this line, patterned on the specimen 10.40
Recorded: 6.31
